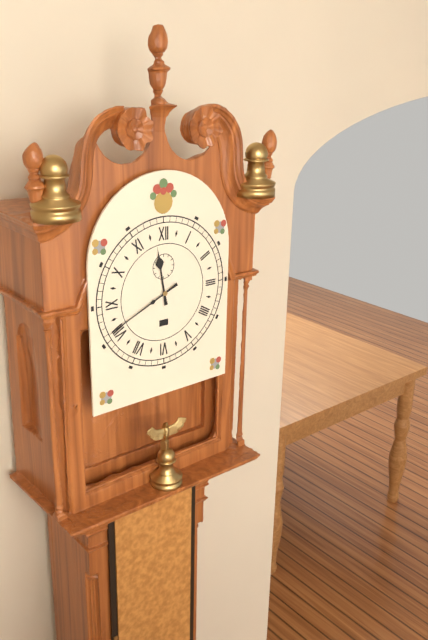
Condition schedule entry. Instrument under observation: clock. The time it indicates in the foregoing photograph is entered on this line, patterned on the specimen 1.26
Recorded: 11.41
